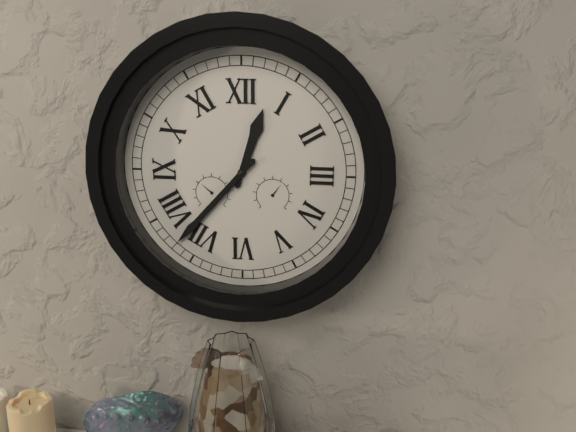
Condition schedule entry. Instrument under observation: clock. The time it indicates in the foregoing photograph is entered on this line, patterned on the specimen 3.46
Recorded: 12.37
